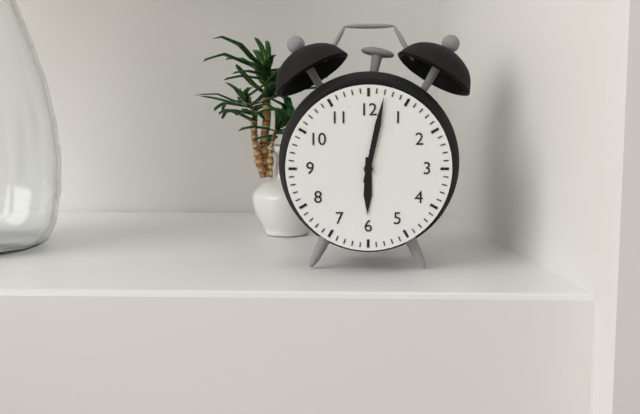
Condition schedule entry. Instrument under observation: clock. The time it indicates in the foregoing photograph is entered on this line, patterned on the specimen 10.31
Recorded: 6.02
